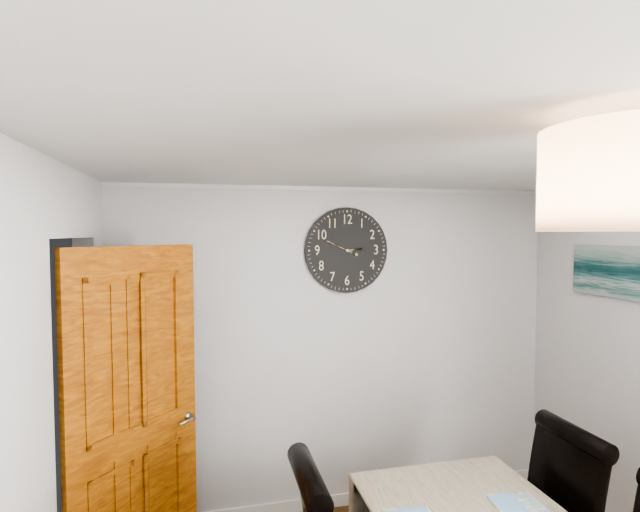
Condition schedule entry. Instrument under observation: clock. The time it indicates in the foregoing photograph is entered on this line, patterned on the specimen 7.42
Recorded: 2.49
